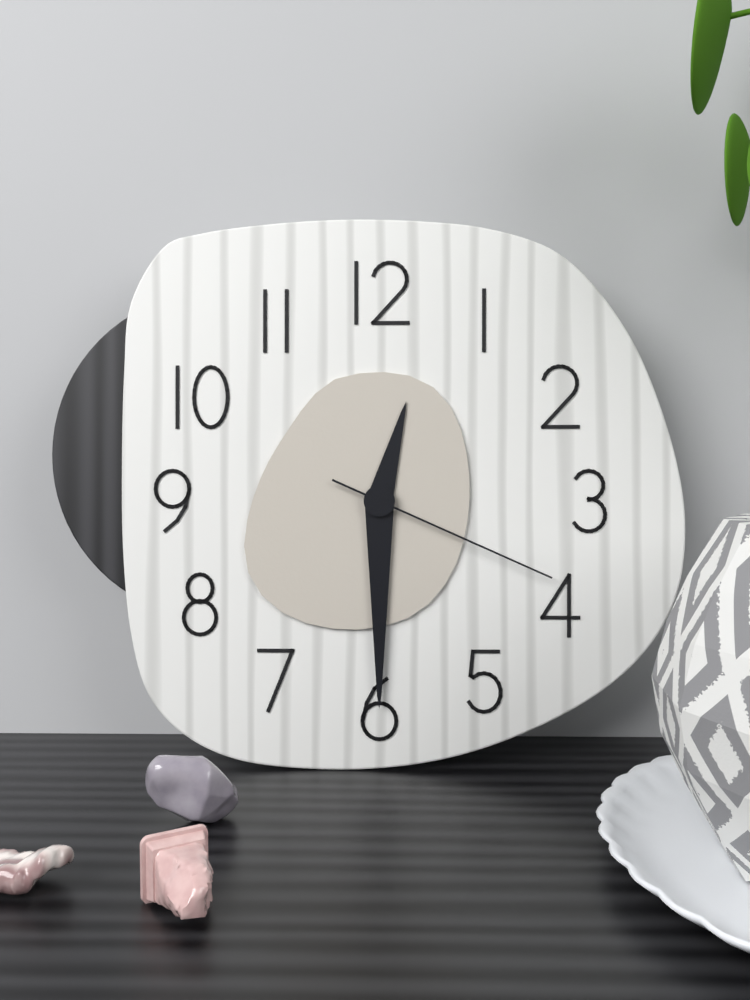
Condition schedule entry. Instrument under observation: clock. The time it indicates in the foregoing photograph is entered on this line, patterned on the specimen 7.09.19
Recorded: 12.30.19
